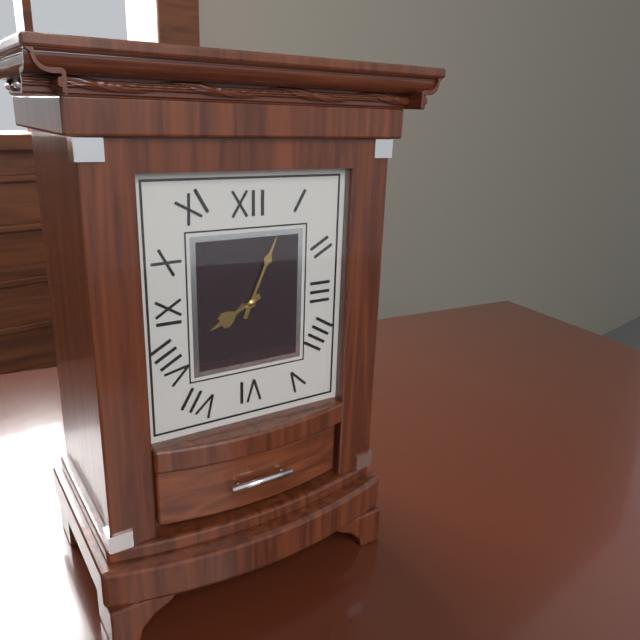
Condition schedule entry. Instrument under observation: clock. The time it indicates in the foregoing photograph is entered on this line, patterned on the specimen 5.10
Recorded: 8.04
